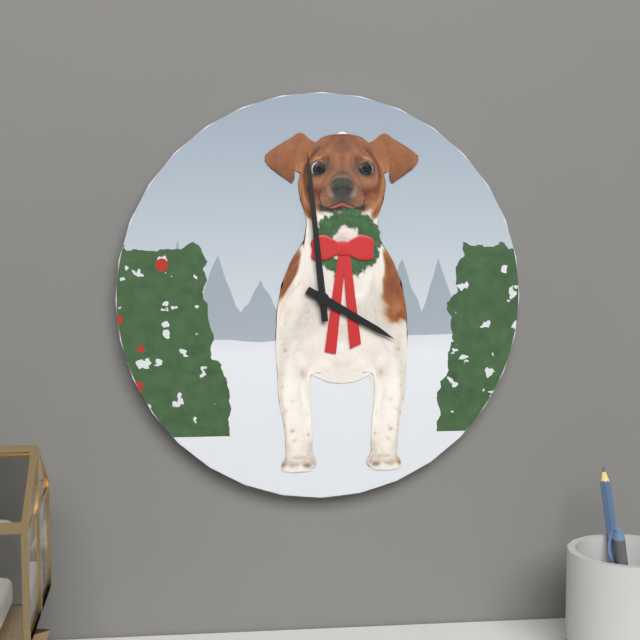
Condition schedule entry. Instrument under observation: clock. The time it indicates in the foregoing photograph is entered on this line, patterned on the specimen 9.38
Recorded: 3.59
